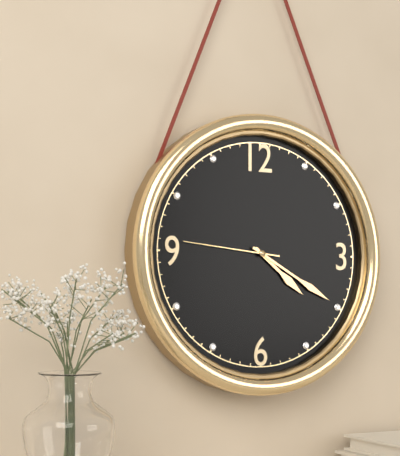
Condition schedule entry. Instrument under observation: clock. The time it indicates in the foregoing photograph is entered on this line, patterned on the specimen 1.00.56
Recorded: 4.20.46
